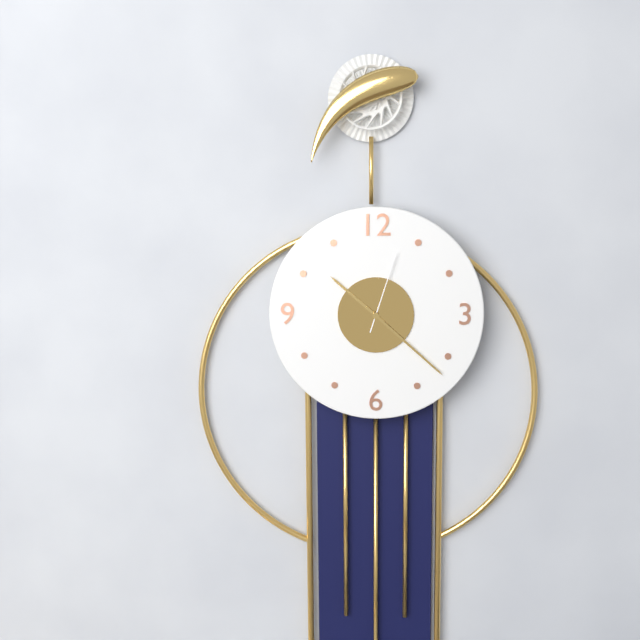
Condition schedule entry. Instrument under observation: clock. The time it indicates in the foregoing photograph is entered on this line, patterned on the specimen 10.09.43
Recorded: 10.22.03
